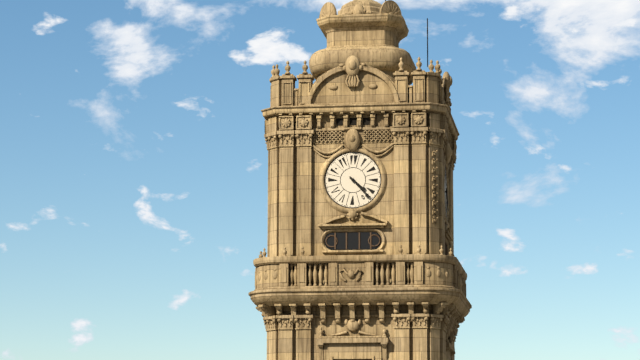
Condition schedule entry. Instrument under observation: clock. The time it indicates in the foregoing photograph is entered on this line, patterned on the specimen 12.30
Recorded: 4.23
